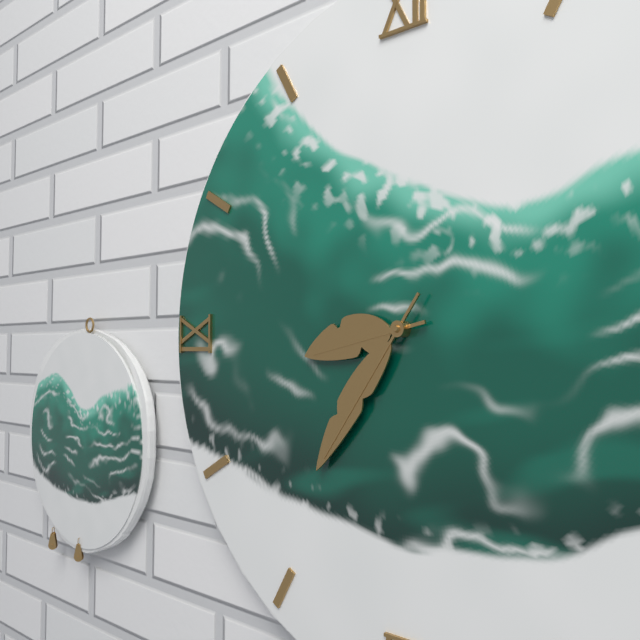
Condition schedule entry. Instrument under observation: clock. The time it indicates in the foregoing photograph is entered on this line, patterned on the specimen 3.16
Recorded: 8.36
